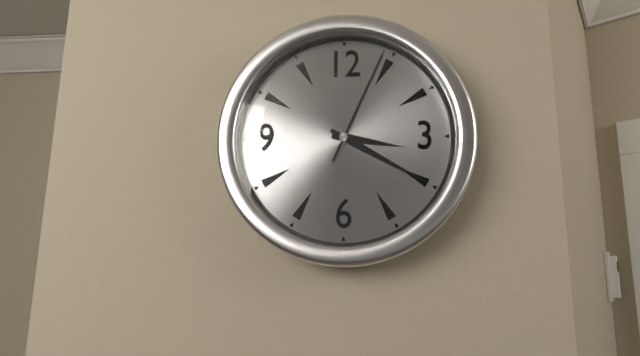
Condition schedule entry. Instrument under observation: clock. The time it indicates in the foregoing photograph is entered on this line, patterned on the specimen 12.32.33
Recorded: 3.20.04
